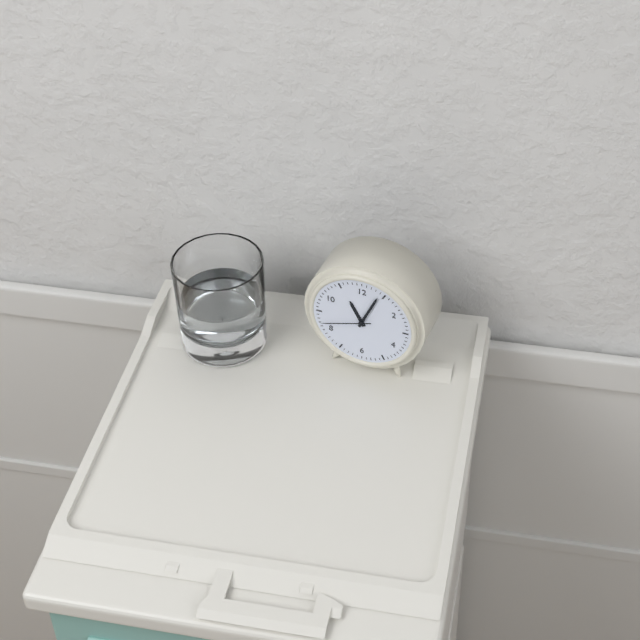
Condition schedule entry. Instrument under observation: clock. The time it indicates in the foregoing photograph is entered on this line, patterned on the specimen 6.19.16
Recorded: 11.04.42
